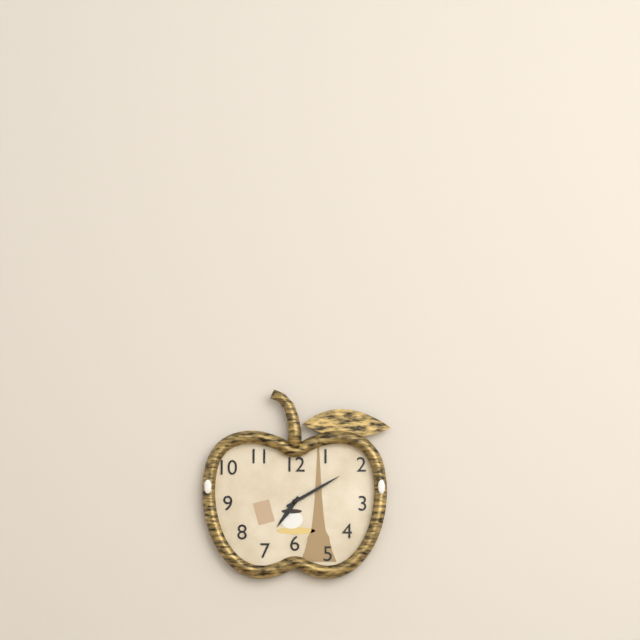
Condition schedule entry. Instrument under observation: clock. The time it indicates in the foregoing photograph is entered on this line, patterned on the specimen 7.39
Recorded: 7.10
